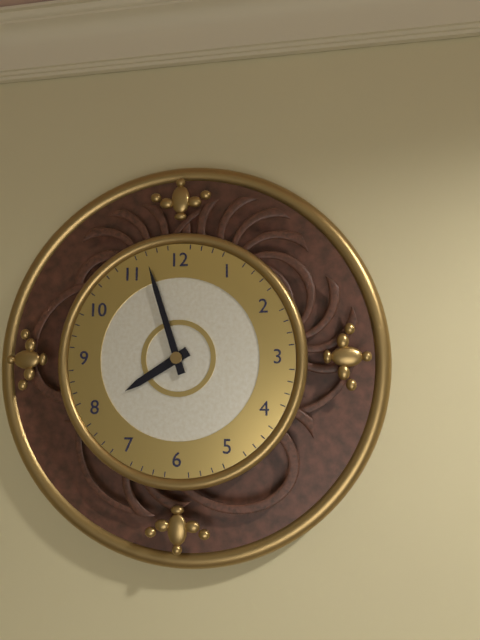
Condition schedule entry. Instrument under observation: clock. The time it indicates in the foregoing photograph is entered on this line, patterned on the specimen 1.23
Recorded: 7.57
